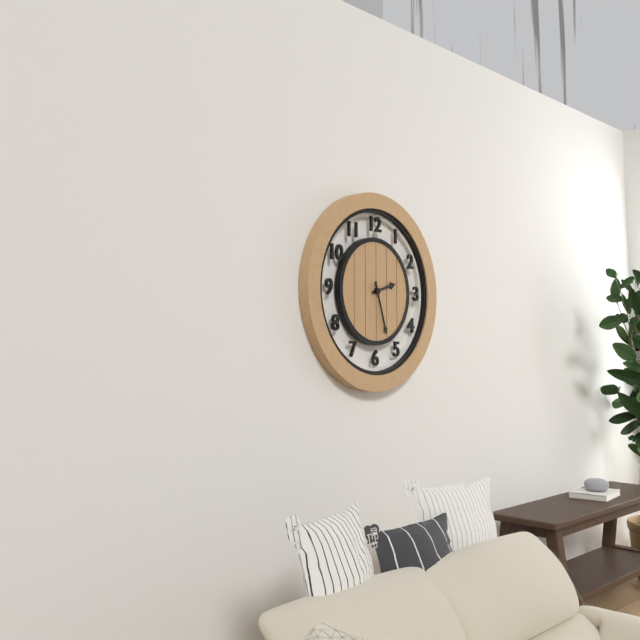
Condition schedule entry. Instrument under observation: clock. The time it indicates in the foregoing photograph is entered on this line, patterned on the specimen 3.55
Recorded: 2.27
